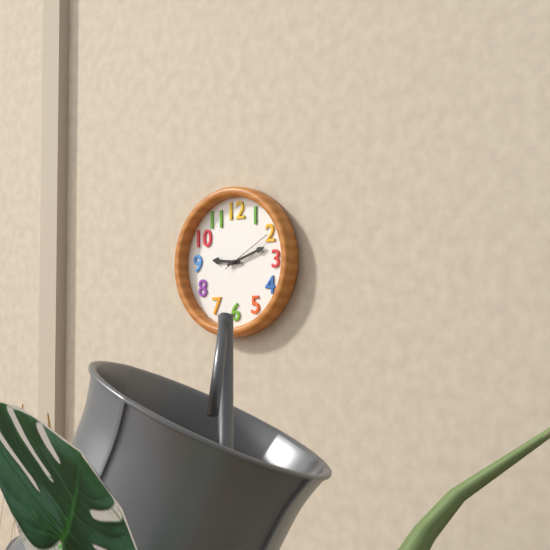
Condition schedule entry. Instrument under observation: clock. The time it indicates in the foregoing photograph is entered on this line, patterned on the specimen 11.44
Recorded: 9.12
